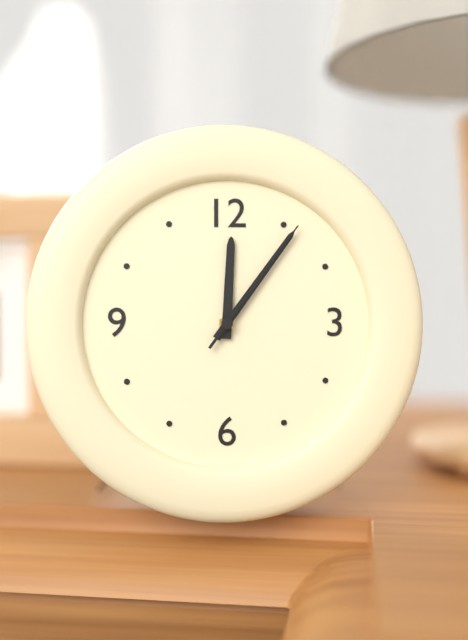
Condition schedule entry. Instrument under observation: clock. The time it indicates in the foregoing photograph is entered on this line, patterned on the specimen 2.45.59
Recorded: 12.06.06
